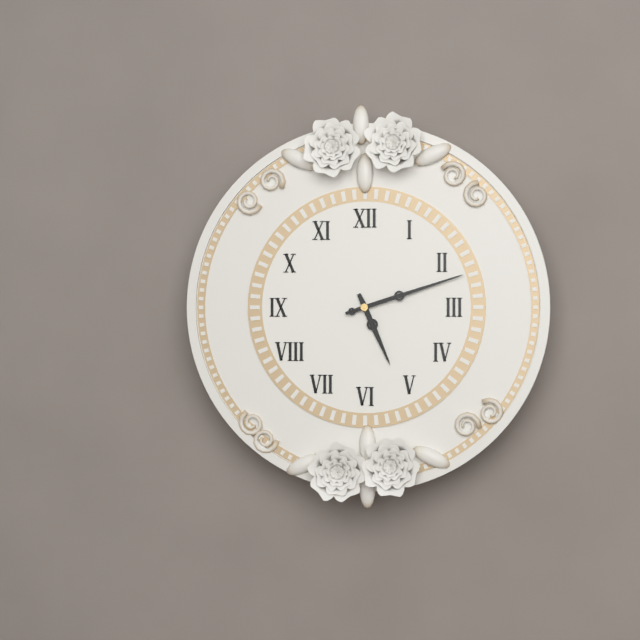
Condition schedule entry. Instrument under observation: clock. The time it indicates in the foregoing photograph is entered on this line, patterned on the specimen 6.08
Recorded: 5.12
